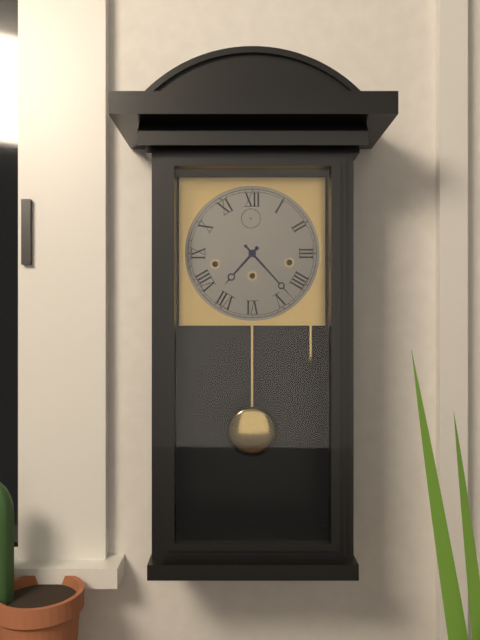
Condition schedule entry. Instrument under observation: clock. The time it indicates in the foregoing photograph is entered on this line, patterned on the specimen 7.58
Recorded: 7.23
